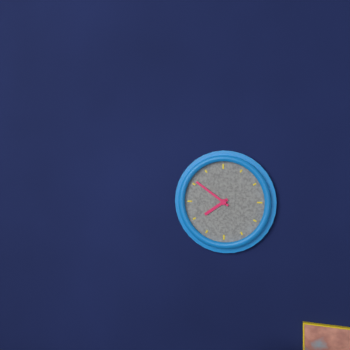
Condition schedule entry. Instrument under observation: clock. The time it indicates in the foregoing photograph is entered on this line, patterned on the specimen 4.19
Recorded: 7.51
